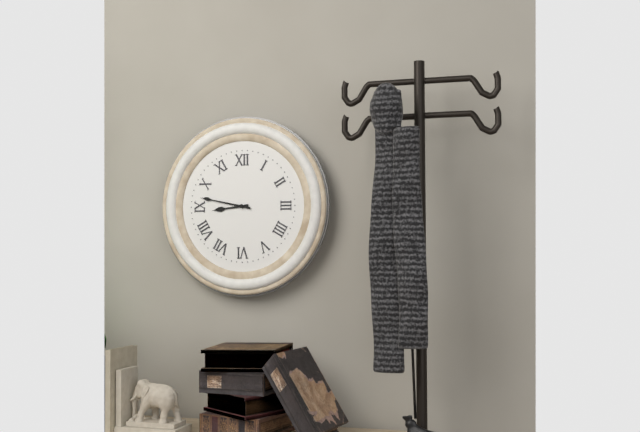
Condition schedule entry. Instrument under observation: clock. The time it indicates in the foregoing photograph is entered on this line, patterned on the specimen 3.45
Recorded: 8.47
